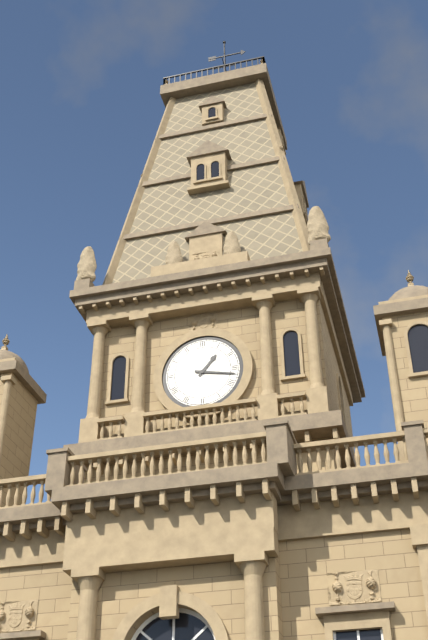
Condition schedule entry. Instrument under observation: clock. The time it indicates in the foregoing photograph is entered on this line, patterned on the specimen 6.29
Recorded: 1.17
